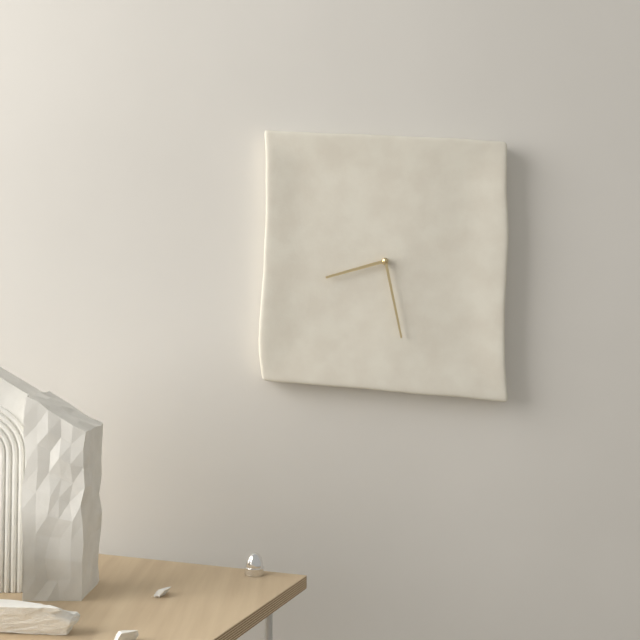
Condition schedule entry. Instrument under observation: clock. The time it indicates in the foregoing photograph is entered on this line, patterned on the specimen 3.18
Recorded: 8.28
